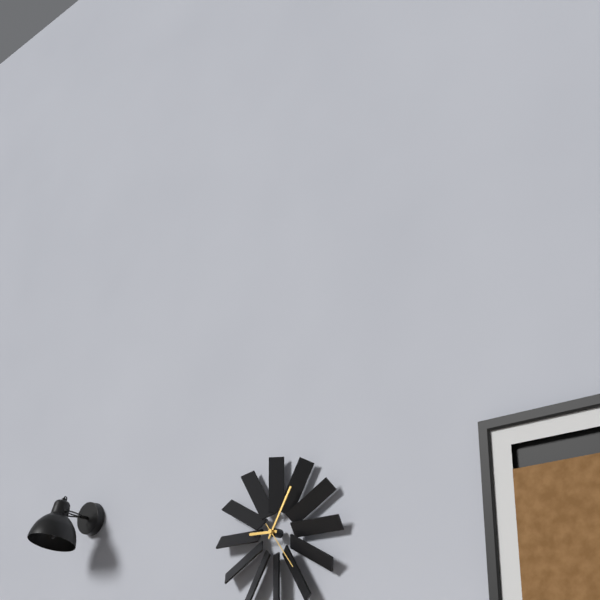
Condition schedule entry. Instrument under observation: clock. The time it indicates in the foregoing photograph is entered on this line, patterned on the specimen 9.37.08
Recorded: 9.05.24
